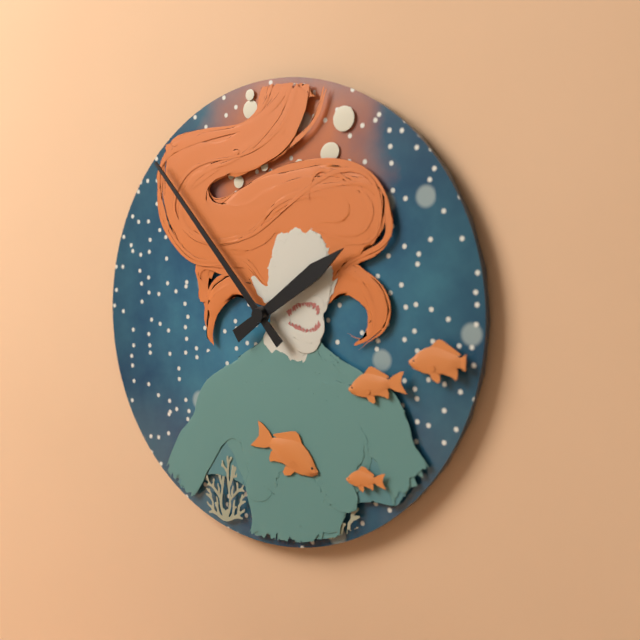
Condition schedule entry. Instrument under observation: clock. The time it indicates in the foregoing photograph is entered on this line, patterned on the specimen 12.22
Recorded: 1.53
